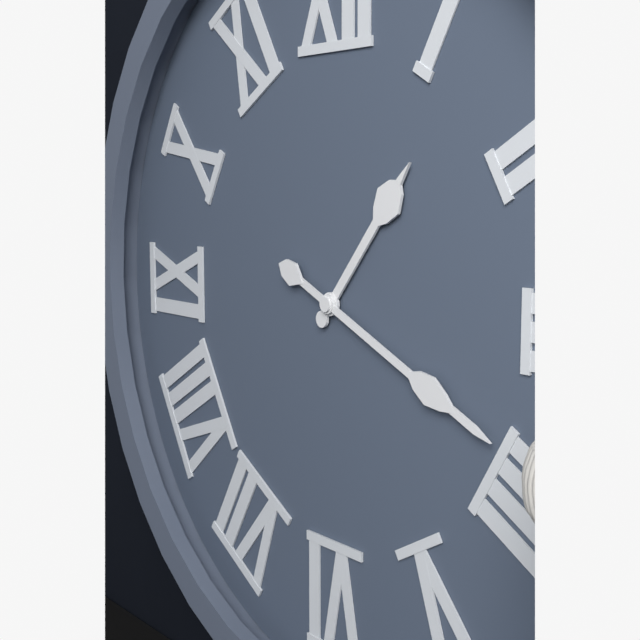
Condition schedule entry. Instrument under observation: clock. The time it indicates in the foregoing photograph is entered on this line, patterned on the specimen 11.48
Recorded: 1.19
